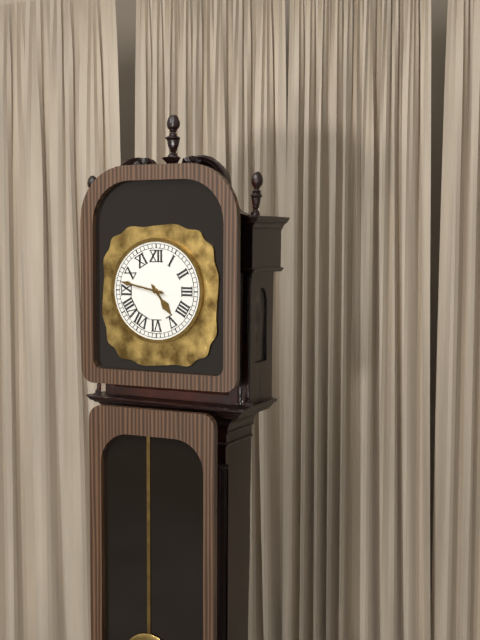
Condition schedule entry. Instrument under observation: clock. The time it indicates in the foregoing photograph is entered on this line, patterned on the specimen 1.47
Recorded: 4.47
